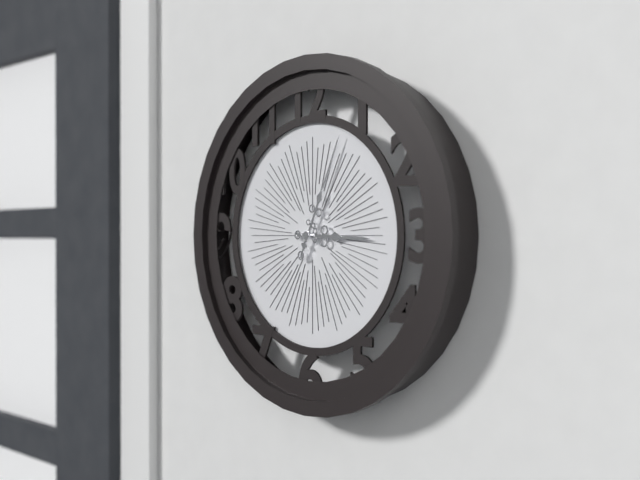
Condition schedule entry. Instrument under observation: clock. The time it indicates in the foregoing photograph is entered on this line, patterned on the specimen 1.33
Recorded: 3.04
